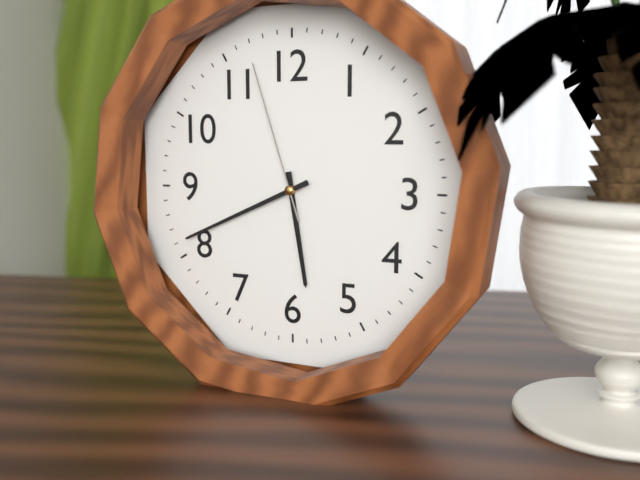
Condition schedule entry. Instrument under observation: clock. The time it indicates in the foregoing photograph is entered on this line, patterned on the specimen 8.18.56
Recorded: 5.41.57
